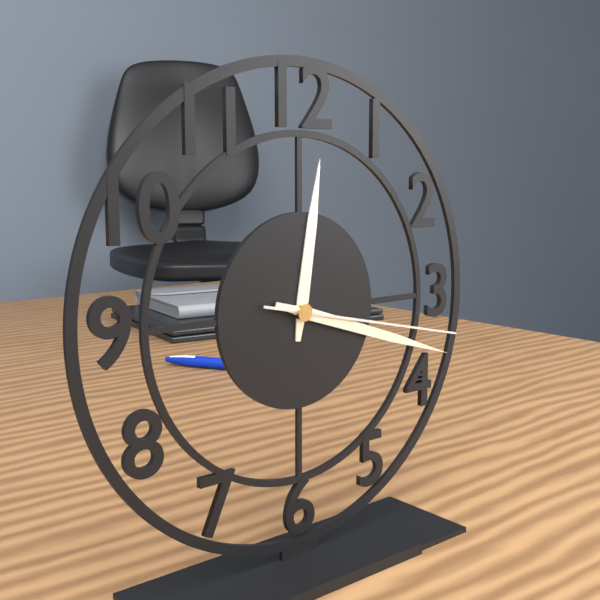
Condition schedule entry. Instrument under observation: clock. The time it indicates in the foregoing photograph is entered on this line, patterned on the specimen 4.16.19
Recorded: 12.18.17
